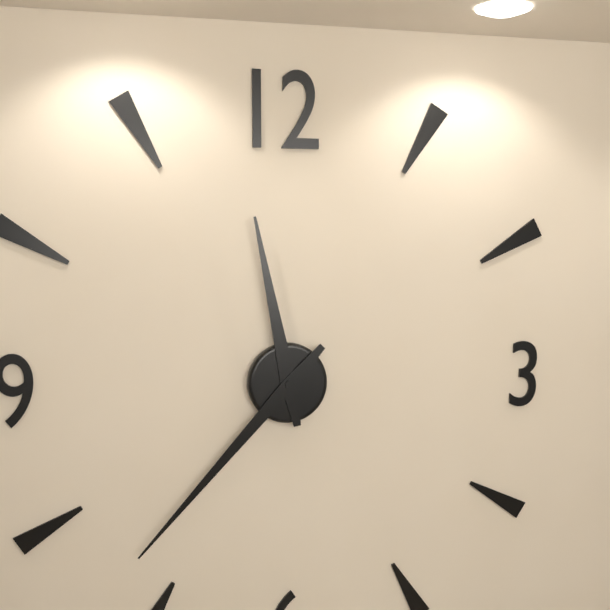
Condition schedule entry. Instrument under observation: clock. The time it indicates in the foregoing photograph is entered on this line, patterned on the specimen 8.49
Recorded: 11.37
